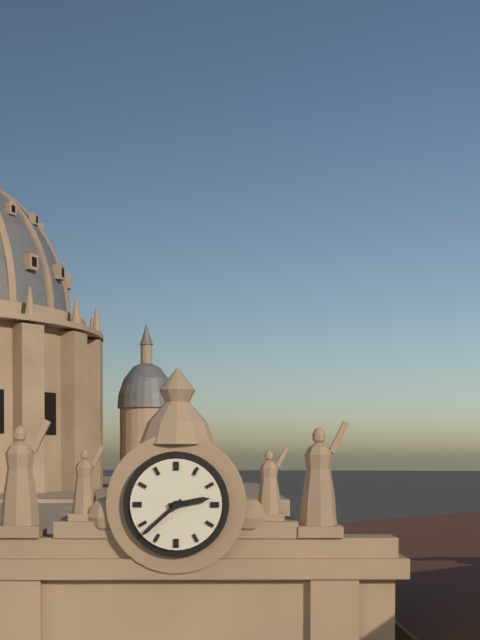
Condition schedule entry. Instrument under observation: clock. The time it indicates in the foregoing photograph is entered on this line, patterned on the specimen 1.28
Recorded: 2.38
